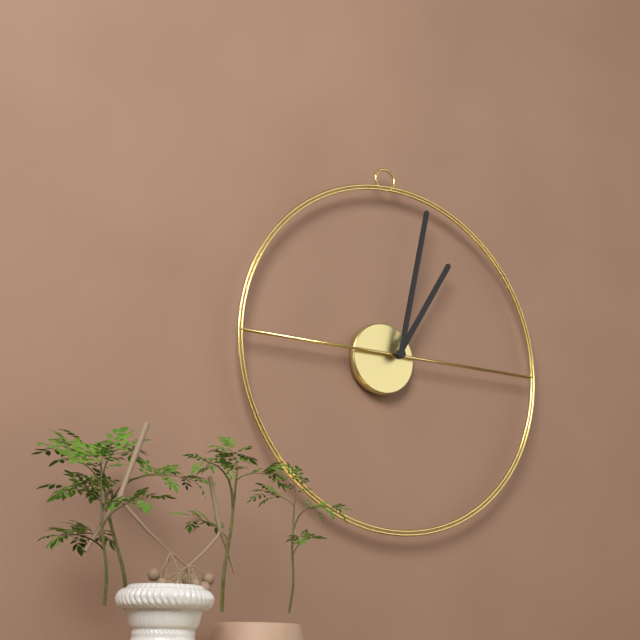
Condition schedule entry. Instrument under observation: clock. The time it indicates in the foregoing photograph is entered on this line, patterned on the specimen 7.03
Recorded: 1.02
